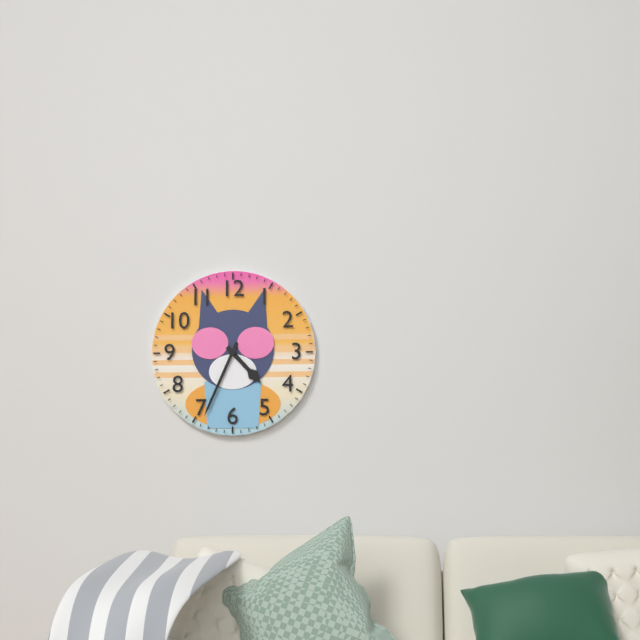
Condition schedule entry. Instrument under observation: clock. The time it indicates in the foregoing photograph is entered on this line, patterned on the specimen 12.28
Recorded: 4.34
